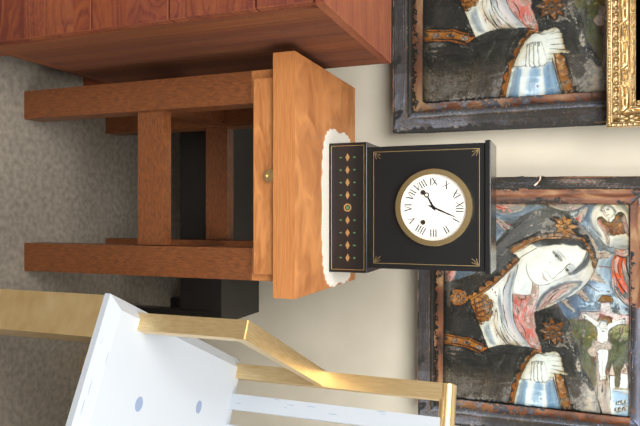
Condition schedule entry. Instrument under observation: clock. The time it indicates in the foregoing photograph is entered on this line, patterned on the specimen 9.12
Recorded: 8.04
